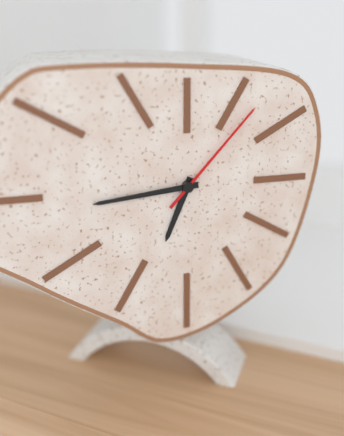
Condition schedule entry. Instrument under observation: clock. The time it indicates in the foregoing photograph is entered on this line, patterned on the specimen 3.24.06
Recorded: 6.44.07
